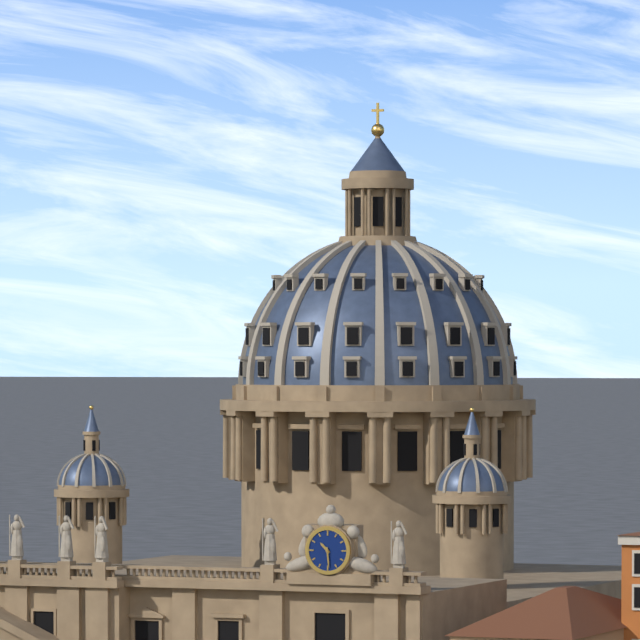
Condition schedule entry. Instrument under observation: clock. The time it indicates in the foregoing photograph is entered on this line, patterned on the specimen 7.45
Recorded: 10.29
